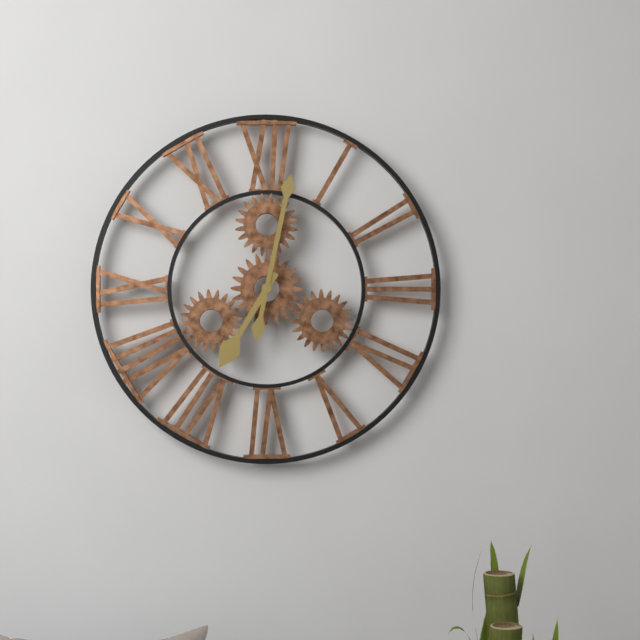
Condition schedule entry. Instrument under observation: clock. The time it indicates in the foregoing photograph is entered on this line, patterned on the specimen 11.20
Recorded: 7.02
